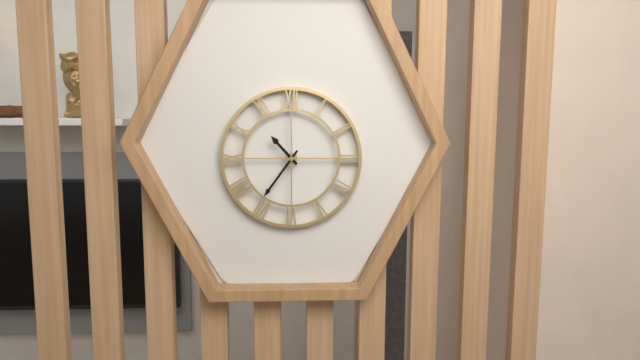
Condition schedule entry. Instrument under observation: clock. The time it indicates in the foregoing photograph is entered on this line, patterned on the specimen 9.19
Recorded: 10.36
